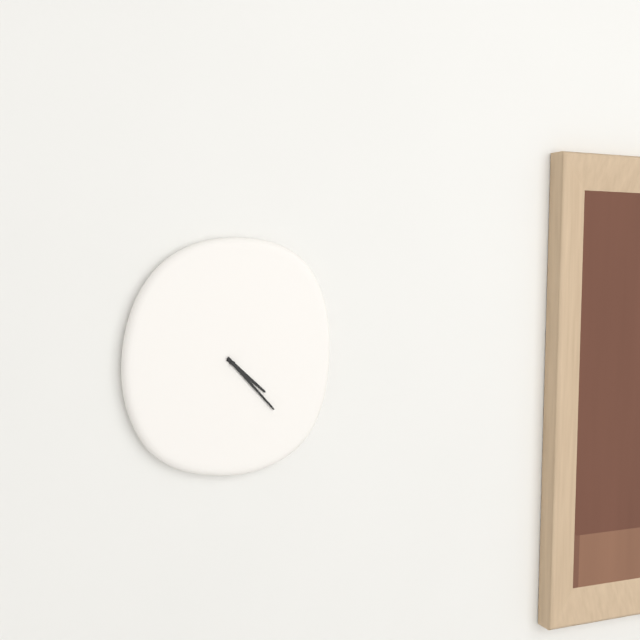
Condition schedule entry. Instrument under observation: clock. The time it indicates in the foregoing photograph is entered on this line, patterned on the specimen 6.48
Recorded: 4.23
